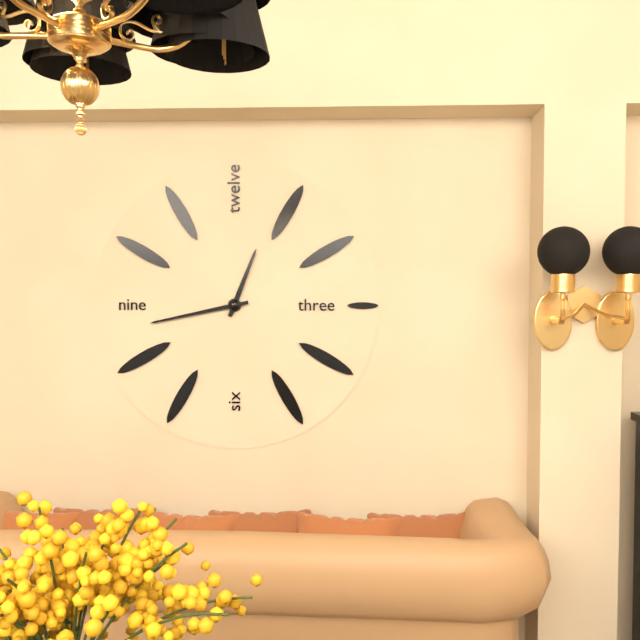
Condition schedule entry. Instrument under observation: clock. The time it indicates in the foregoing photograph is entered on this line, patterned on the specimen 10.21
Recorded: 12.43
